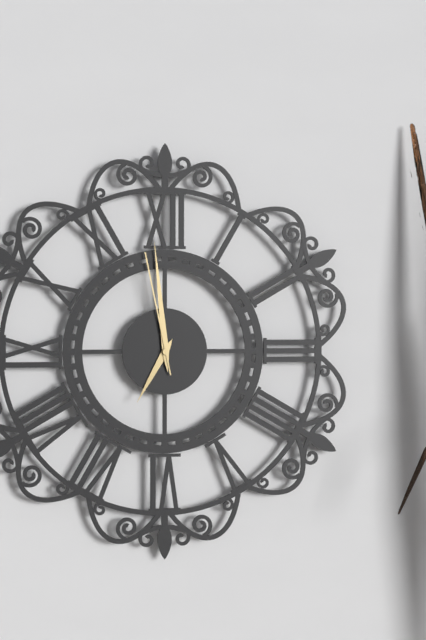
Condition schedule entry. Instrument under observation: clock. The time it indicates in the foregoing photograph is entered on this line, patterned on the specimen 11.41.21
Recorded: 6.59.58
